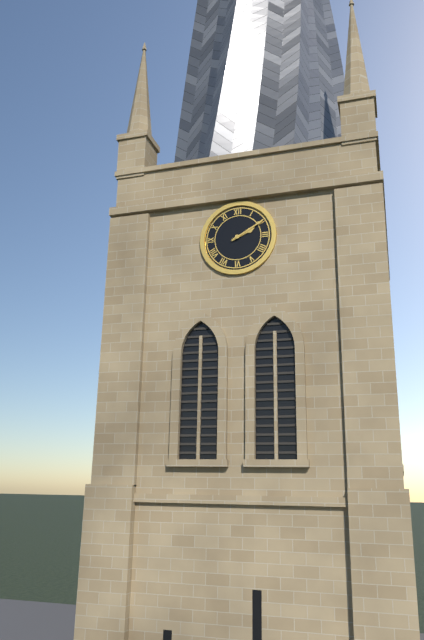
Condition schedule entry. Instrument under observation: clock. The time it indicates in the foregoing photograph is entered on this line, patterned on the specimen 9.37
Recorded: 2.10
